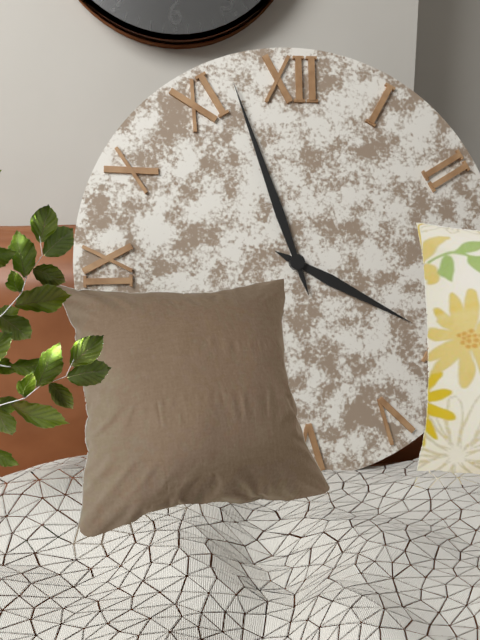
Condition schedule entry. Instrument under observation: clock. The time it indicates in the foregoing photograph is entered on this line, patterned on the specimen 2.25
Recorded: 3.57
